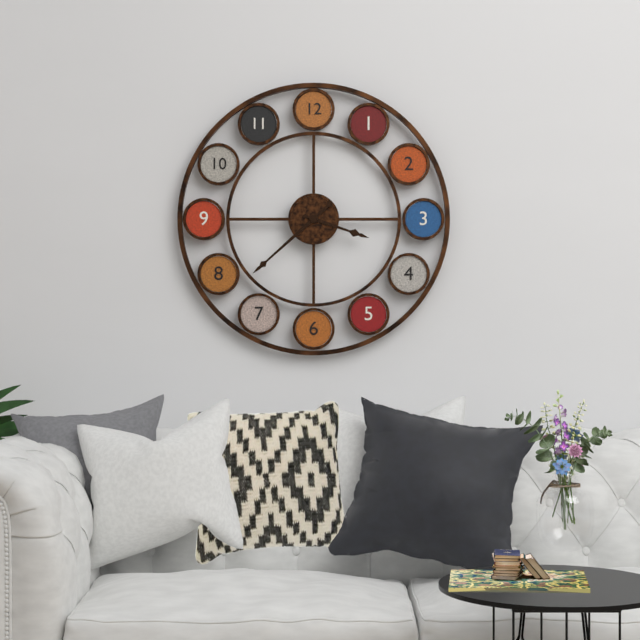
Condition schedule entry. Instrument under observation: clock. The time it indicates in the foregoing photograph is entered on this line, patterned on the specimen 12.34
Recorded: 3.38
